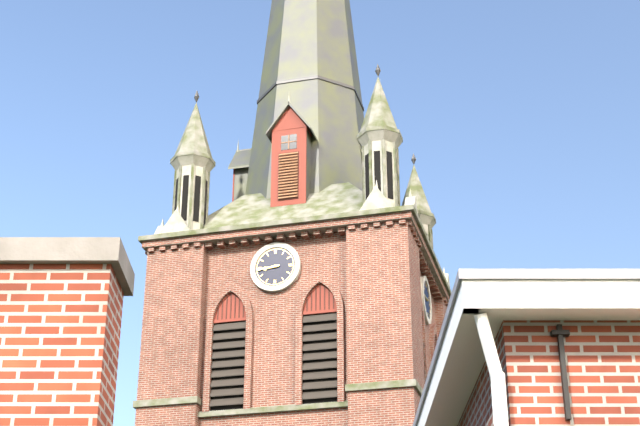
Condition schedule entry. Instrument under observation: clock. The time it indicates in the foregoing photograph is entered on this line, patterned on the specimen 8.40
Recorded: 8.44
